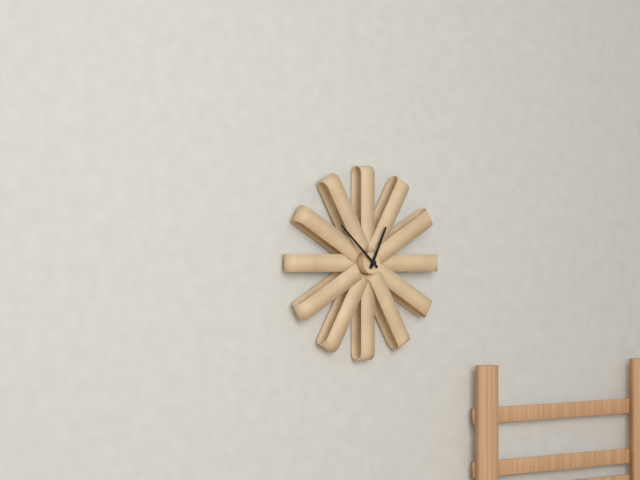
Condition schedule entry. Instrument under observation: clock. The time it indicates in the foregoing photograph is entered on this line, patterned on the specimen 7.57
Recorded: 12.52
